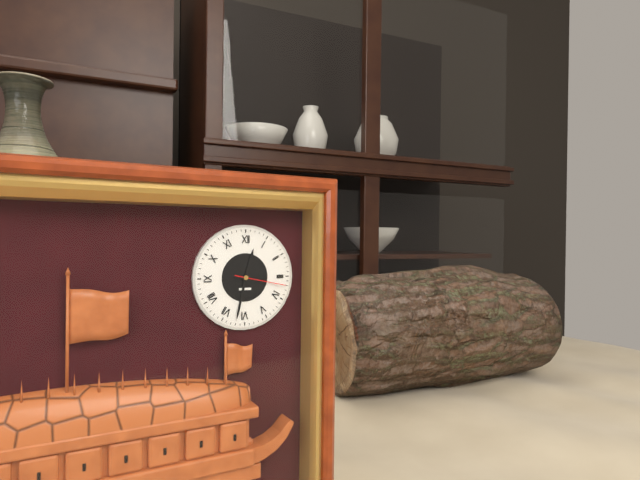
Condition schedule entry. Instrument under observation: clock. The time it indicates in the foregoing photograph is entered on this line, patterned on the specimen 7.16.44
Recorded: 12.32.17
